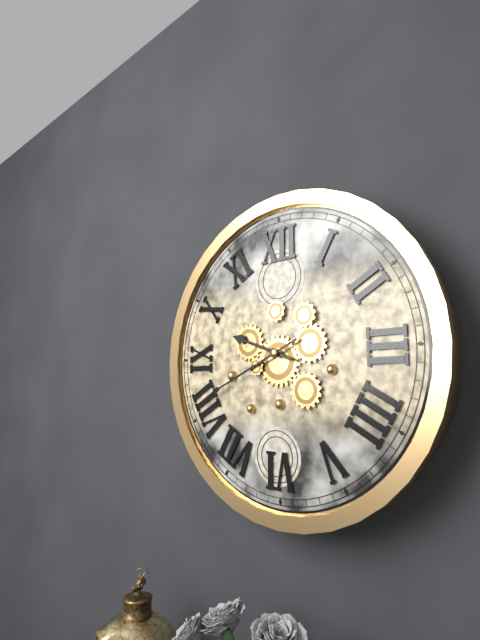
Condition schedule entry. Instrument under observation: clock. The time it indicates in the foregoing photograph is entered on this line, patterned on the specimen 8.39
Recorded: 9.41
